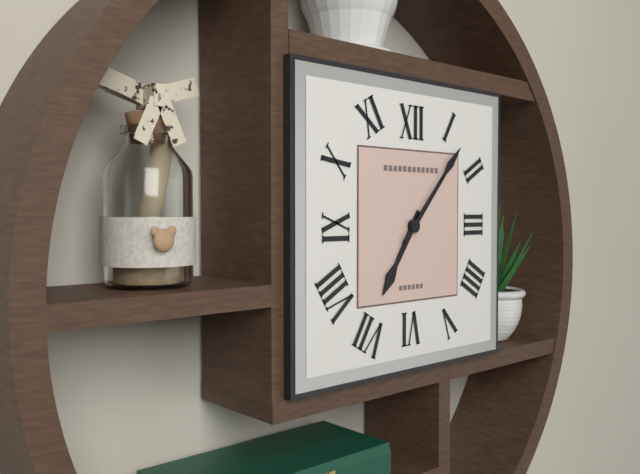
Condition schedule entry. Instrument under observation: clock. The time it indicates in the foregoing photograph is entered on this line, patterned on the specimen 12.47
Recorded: 7.07
